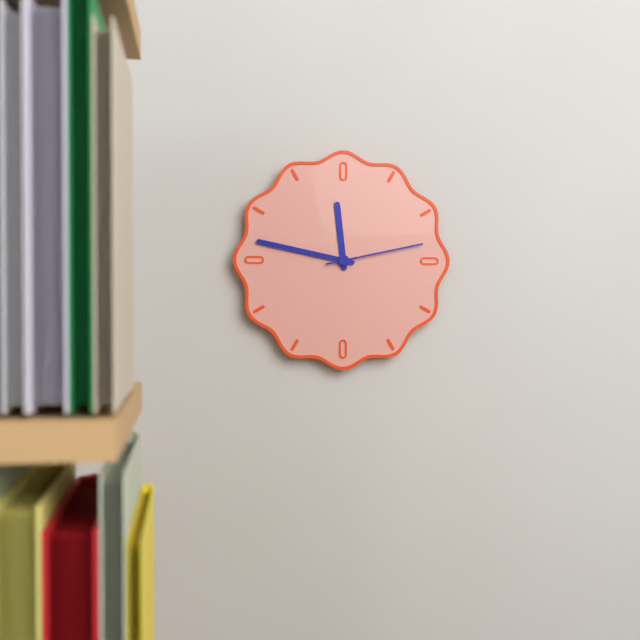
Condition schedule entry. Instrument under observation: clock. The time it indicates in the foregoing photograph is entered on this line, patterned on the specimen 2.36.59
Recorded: 11.47.13
